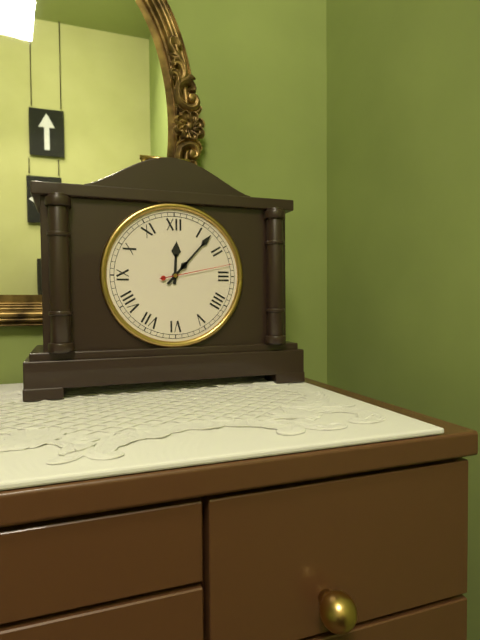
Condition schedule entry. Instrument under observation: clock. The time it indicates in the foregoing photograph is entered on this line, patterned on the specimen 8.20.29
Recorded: 12.07.13
